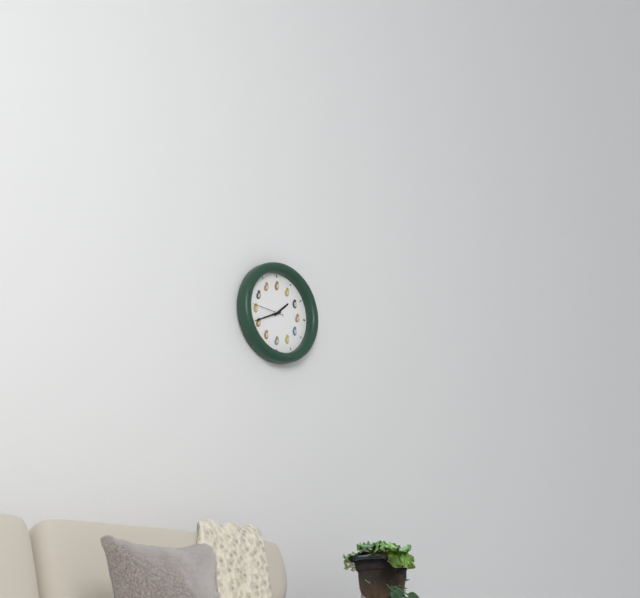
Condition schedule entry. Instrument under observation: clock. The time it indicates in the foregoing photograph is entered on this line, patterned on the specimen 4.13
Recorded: 1.41
